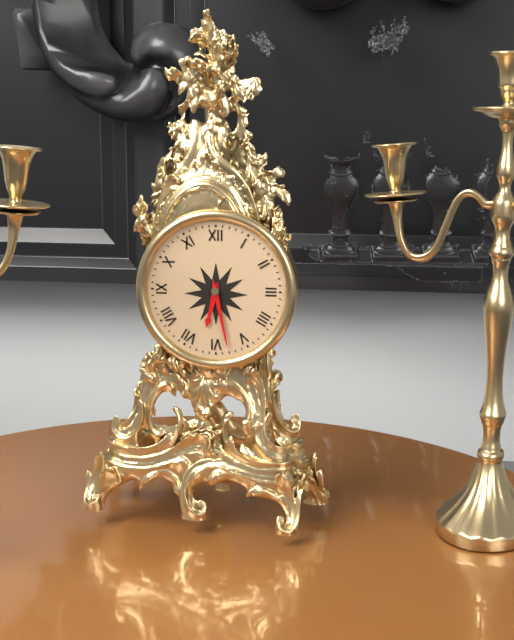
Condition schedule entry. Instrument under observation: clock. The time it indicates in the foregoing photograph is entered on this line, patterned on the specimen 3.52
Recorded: 6.28
